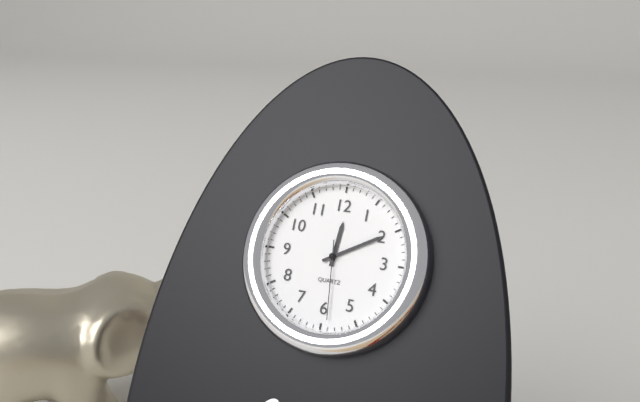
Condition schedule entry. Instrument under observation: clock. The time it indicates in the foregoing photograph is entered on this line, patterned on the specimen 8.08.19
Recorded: 12.10.29
